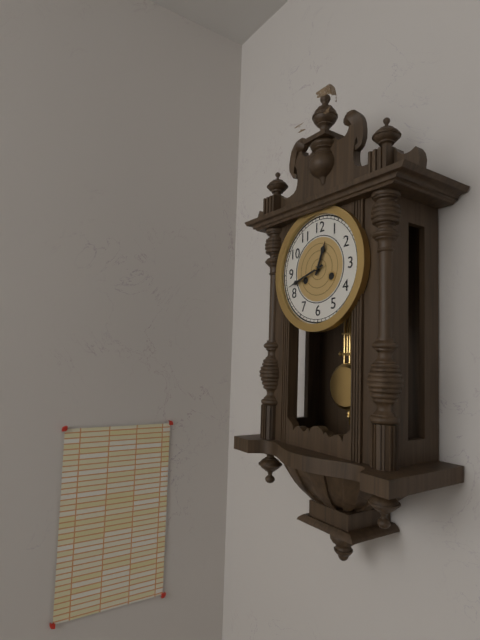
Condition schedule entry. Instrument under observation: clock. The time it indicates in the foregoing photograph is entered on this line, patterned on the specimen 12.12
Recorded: 12.42
